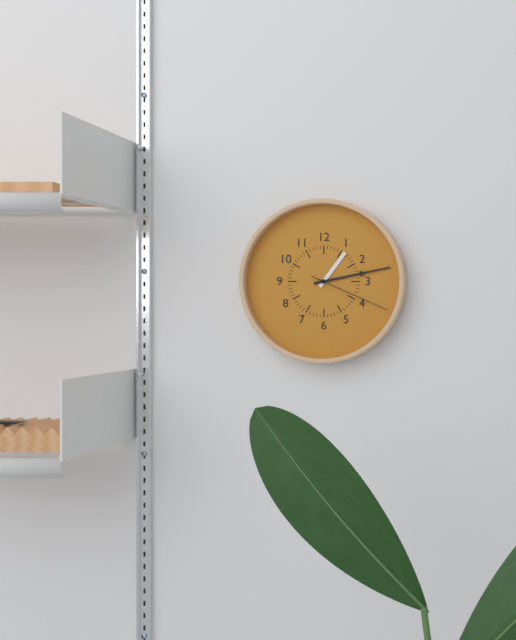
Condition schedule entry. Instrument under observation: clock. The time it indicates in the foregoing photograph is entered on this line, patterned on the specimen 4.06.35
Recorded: 1.13.19
